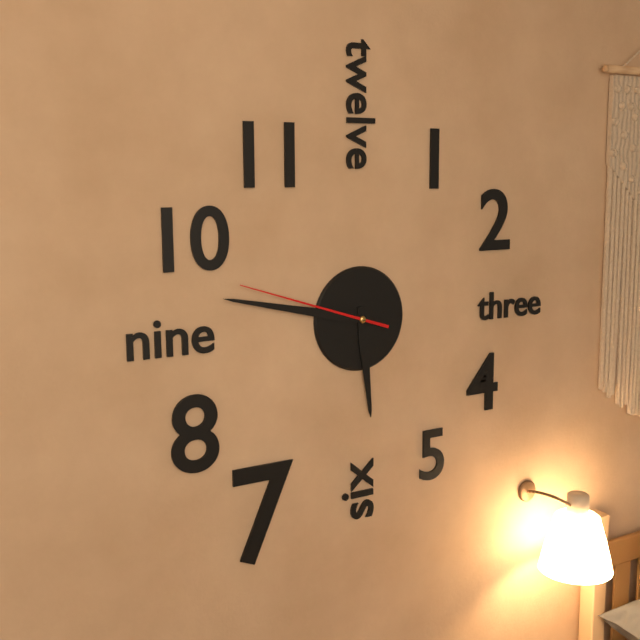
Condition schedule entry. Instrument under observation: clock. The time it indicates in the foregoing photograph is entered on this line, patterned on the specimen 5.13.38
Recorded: 5.47.48
